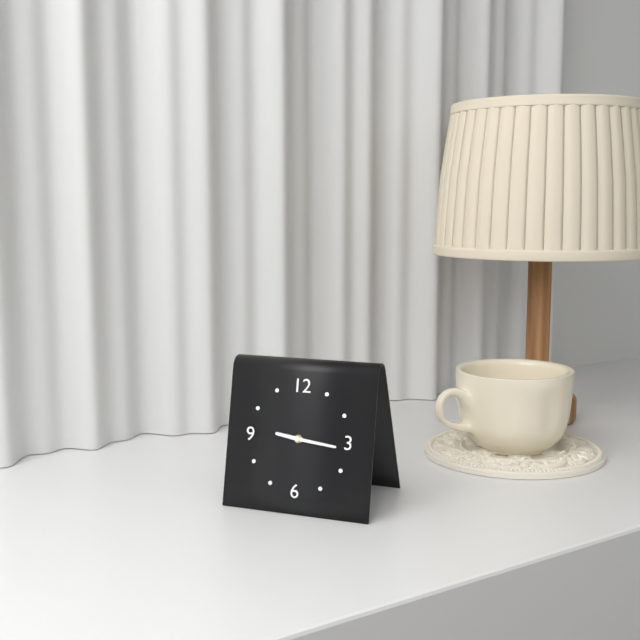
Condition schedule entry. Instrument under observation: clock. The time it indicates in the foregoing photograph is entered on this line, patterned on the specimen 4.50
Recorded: 9.16
